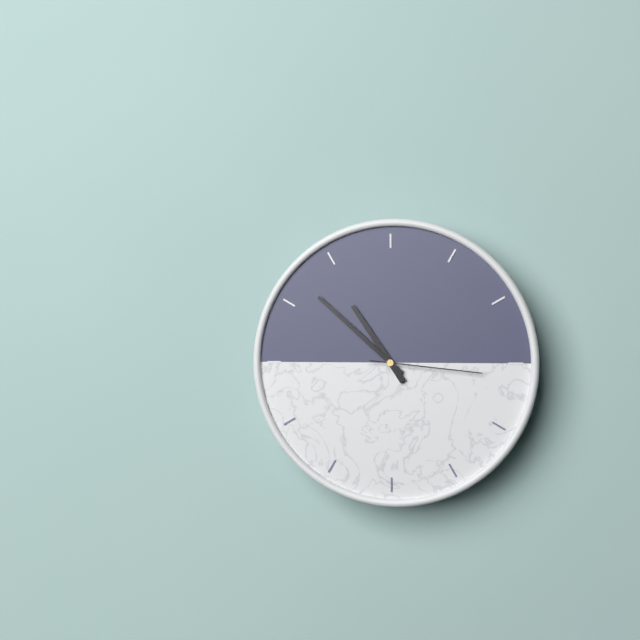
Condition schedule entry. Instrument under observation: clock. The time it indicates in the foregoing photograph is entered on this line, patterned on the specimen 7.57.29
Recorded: 10.52.16
